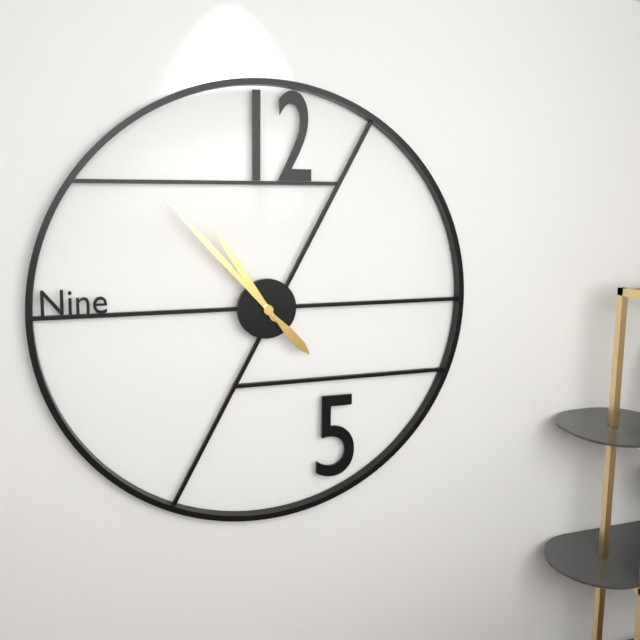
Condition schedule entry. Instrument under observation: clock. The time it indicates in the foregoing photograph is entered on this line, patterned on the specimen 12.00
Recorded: 10.53
